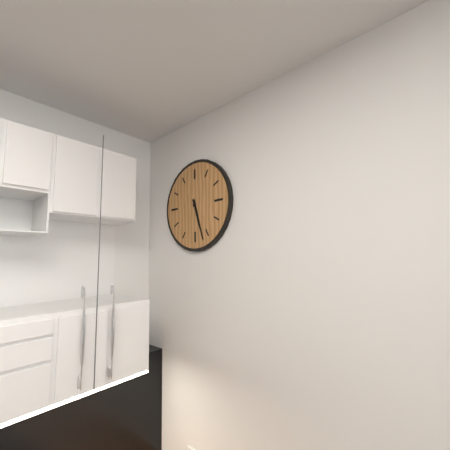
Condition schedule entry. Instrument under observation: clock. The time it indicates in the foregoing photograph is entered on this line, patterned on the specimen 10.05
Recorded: 5.27
